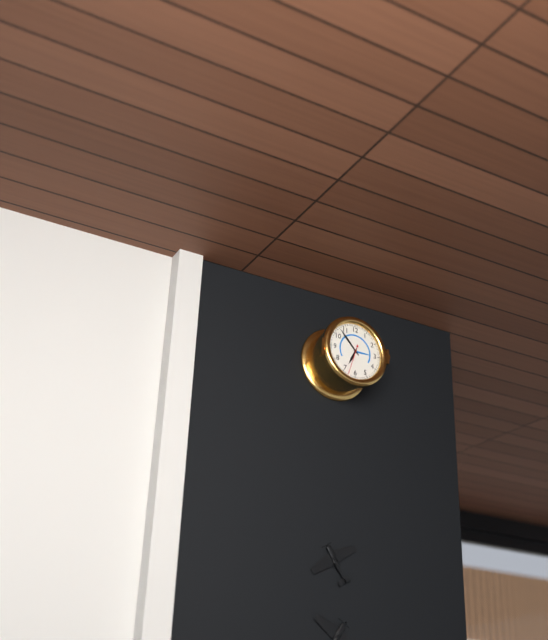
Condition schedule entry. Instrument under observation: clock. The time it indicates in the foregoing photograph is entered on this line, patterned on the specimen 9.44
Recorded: 6.53
